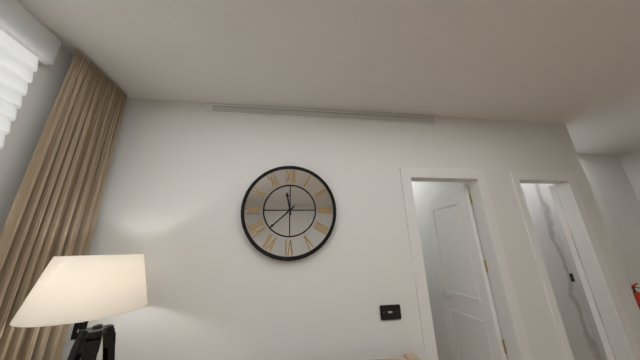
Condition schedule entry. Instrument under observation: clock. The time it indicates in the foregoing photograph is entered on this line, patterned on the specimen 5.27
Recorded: 11.38
